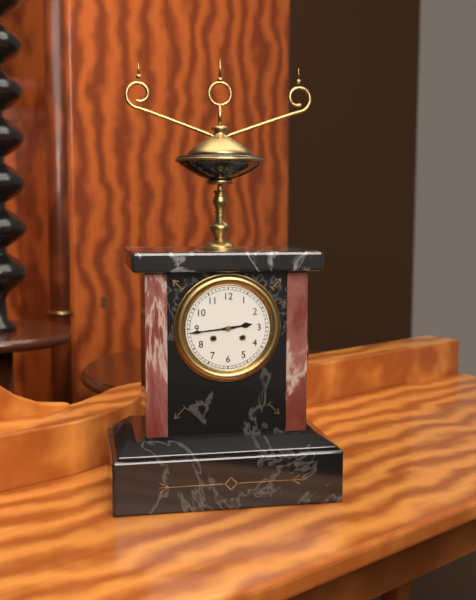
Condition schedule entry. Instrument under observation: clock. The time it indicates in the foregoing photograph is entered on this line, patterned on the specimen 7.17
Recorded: 2.44
